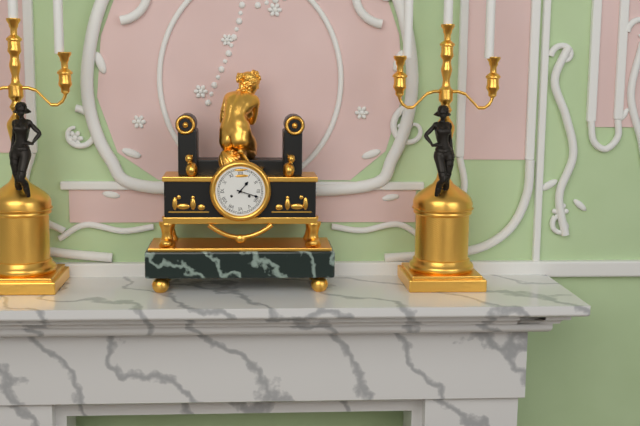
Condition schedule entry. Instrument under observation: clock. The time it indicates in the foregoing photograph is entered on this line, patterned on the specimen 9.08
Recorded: 1.18
